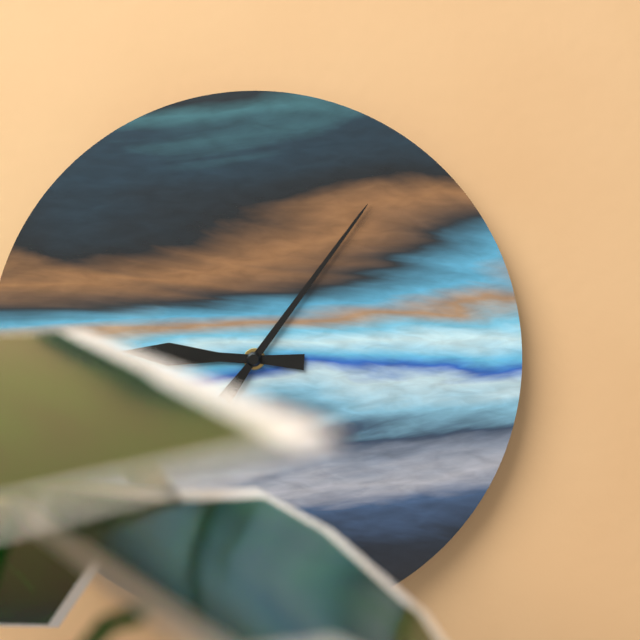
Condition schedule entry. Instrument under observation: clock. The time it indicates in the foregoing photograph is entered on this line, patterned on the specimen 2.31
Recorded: 9.06
